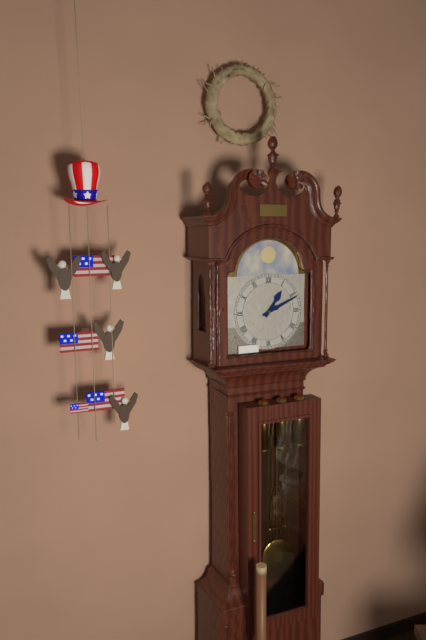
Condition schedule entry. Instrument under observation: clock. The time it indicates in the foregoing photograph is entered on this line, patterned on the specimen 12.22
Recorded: 1.11
